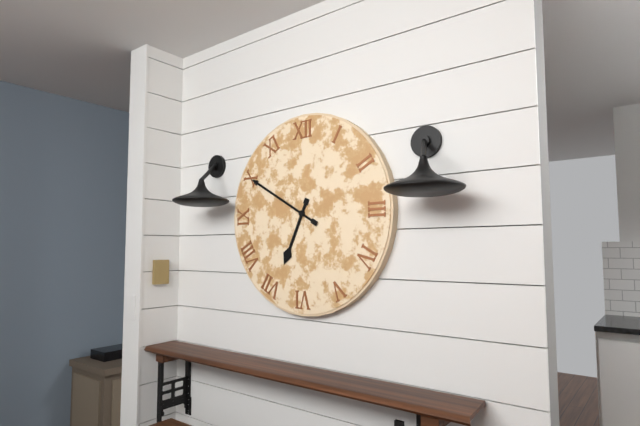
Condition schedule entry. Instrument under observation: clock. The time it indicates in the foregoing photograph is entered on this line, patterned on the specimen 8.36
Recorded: 6.50
